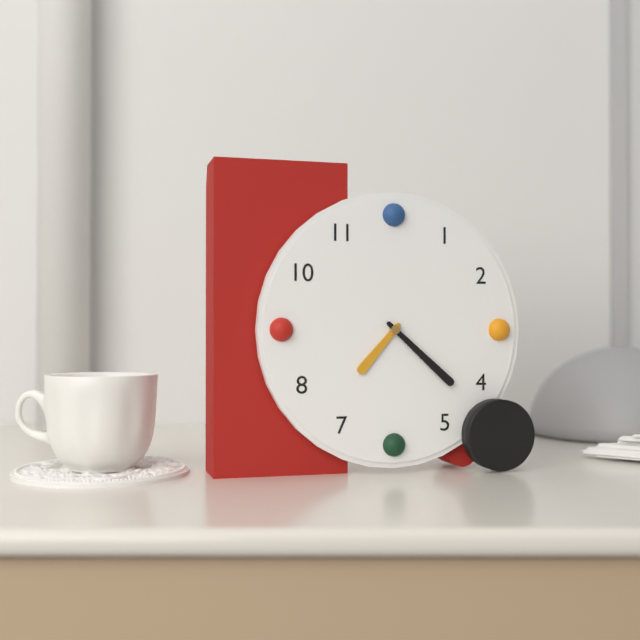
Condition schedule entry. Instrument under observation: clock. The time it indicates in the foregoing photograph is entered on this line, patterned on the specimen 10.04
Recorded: 7.22
